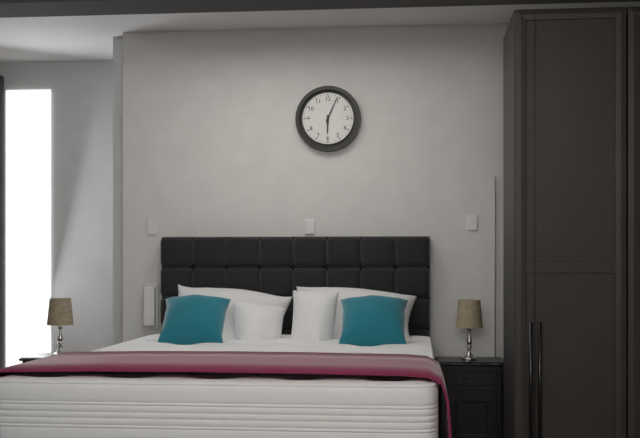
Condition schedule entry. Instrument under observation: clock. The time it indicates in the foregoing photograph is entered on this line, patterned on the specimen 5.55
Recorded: 6.04
